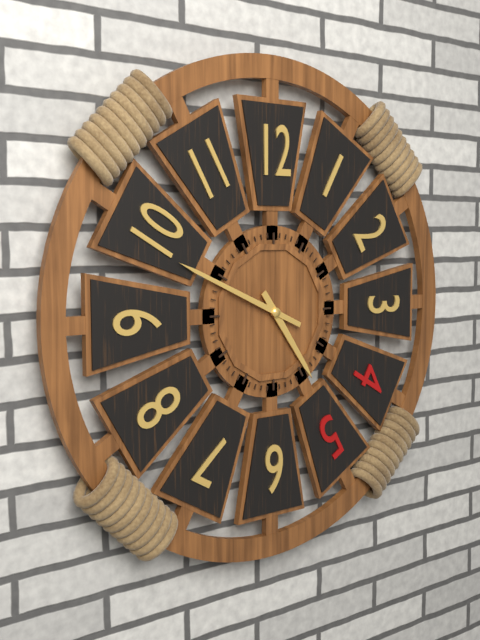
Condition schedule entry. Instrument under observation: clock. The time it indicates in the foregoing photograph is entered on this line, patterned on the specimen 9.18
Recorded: 4.49
